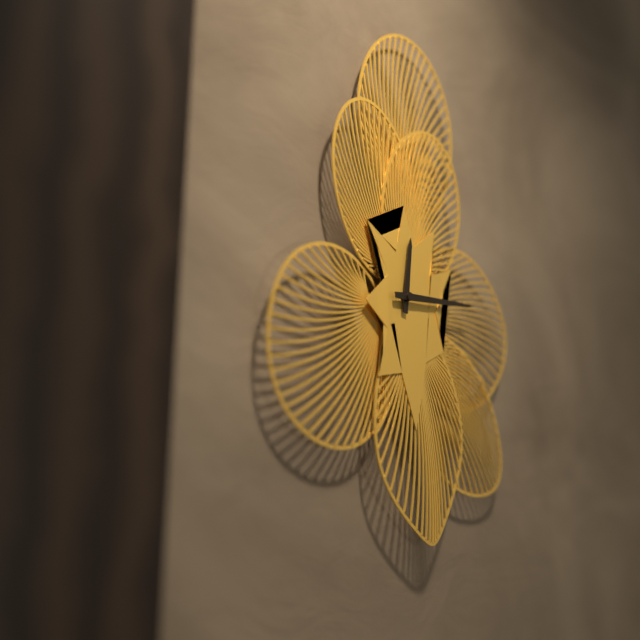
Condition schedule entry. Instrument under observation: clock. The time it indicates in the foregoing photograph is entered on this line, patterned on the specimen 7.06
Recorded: 12.14
